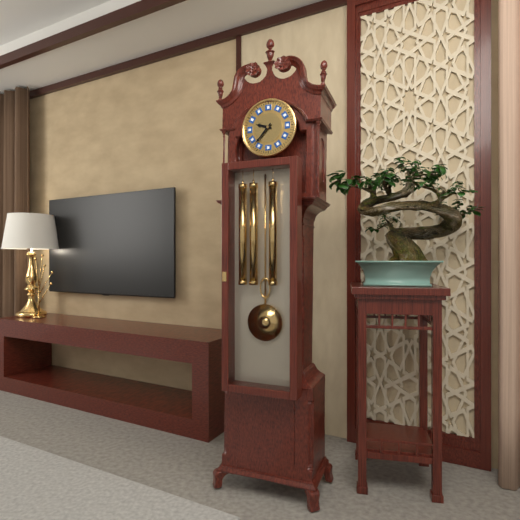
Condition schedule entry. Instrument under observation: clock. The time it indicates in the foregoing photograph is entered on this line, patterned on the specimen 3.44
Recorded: 9.37
